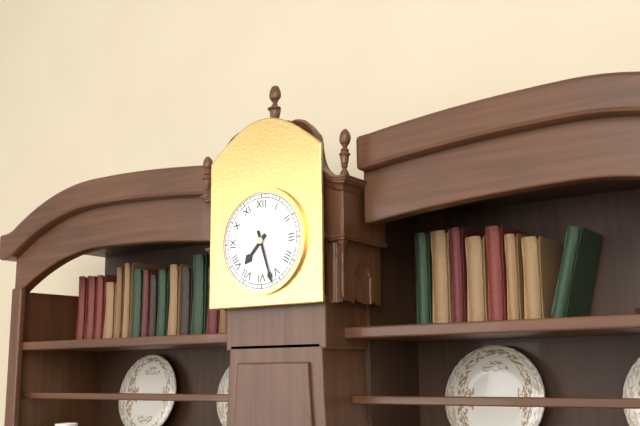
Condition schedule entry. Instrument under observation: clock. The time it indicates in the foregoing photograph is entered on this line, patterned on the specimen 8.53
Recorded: 7.27
